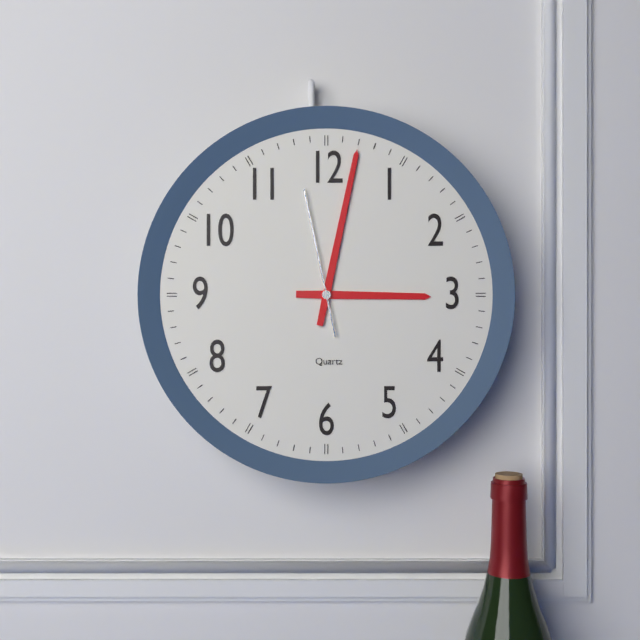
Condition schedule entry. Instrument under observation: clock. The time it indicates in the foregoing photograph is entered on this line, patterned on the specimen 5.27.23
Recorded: 3.02.58
